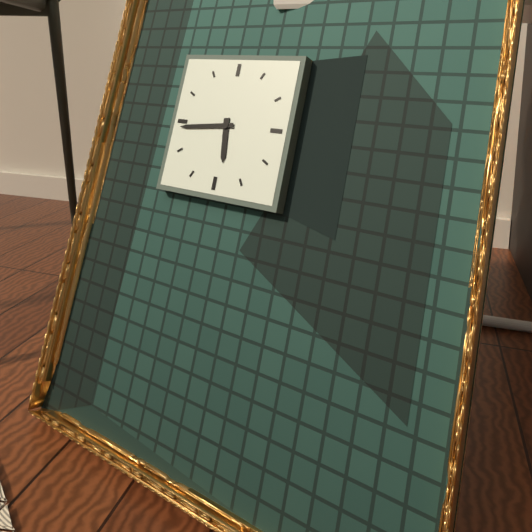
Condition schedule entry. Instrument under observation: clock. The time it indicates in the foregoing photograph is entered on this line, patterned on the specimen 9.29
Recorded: 5.44
